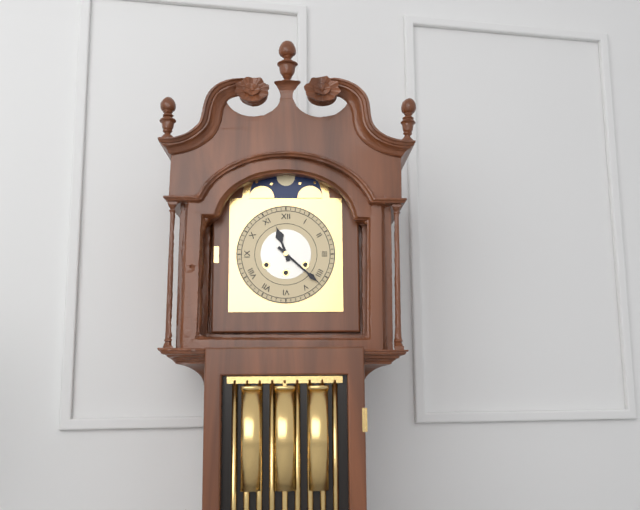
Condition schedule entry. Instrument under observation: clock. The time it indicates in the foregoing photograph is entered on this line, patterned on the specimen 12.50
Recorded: 11.22
